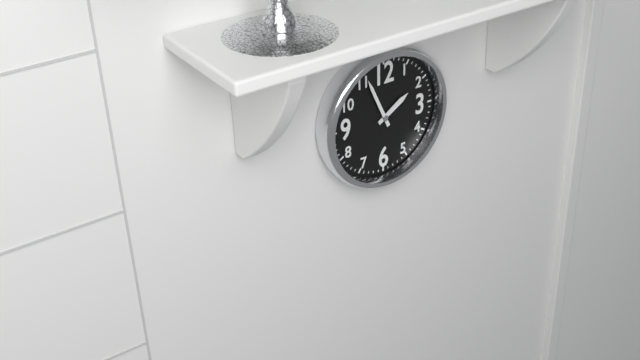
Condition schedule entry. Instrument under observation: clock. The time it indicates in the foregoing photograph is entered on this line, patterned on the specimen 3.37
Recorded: 1.56
